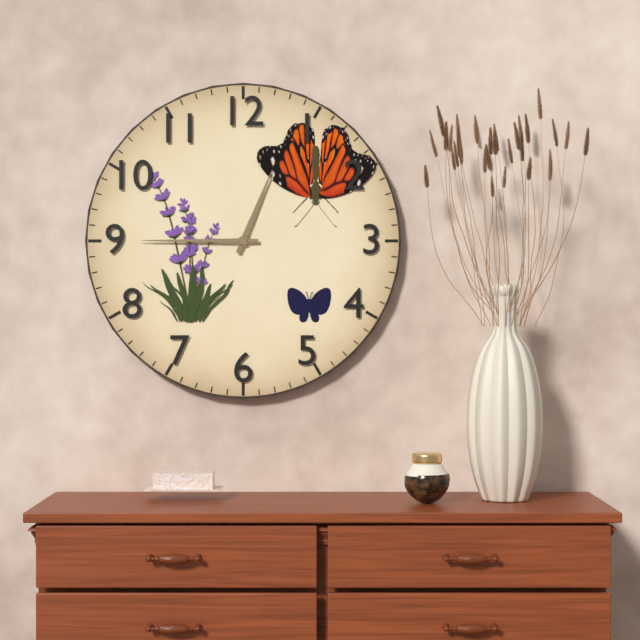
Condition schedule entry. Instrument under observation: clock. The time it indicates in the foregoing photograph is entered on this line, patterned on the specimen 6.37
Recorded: 12.45
